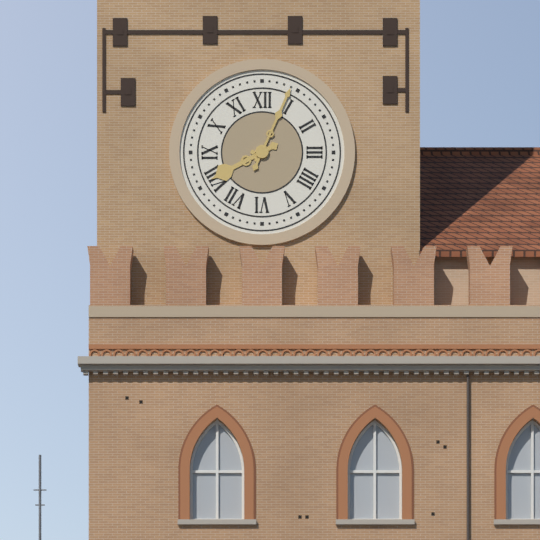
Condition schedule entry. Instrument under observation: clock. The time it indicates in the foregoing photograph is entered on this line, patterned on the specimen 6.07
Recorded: 8.04
